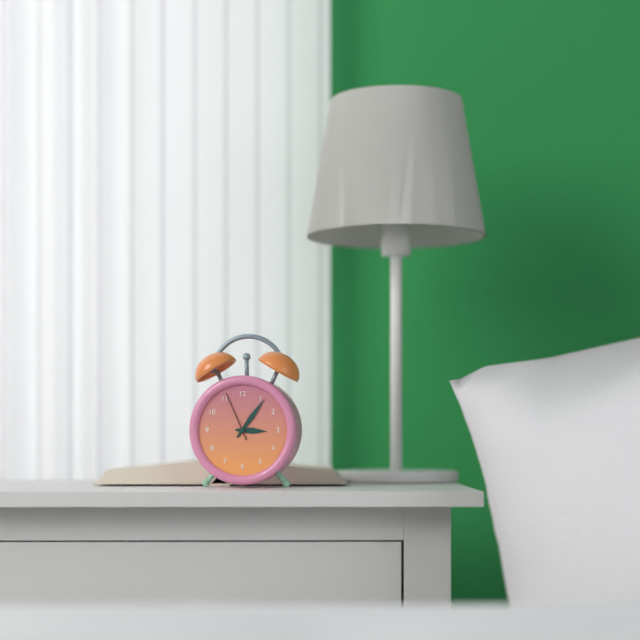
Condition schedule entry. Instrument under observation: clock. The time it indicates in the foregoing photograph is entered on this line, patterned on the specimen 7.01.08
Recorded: 3.06.56
